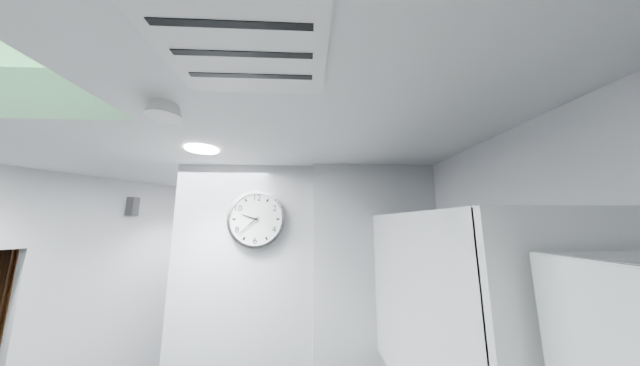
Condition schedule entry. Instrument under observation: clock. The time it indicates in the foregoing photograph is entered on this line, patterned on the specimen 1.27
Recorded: 9.38
